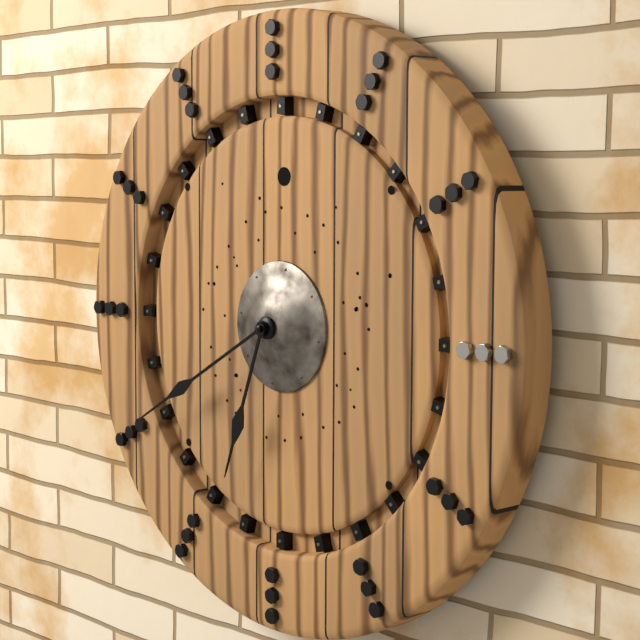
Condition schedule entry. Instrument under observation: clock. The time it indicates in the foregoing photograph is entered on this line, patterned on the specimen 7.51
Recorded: 6.40
